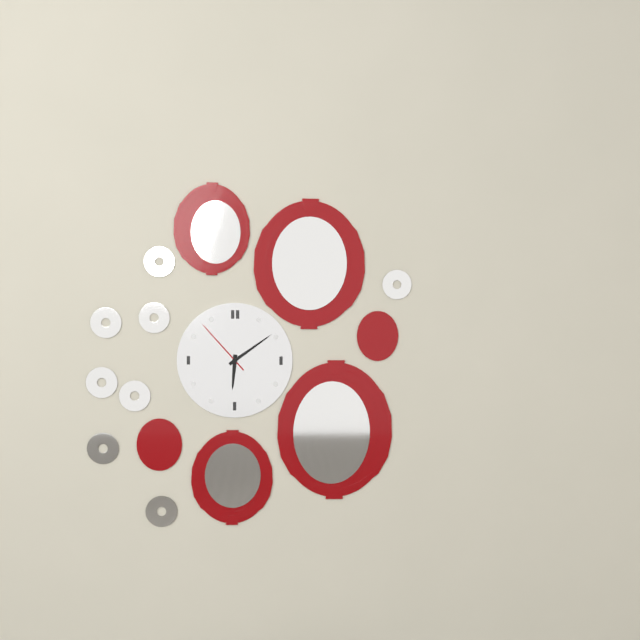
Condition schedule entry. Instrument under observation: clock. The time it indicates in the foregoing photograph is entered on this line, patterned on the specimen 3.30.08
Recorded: 6.09.53
